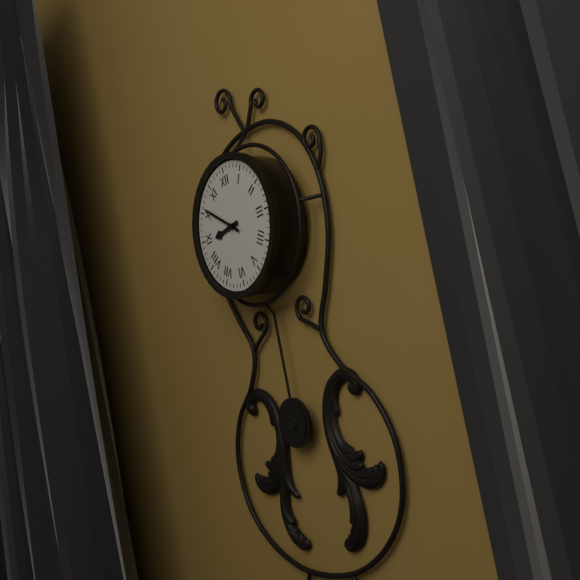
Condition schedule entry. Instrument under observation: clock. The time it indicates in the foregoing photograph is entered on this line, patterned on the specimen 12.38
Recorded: 8.51
